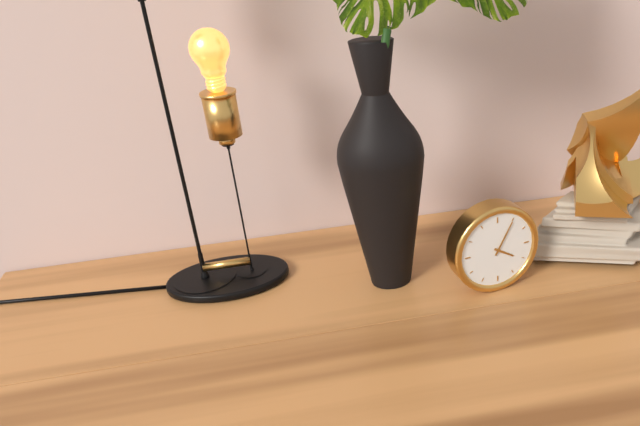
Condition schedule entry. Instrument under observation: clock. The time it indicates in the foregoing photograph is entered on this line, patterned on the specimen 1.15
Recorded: 4.05
